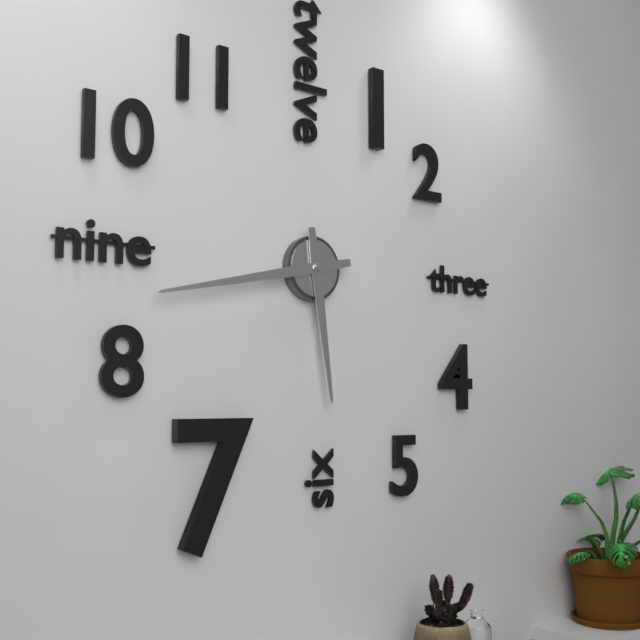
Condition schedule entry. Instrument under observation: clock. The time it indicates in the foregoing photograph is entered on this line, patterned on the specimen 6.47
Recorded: 5.43
